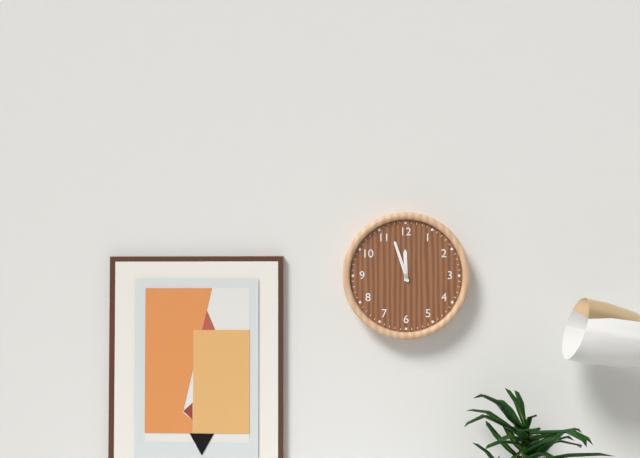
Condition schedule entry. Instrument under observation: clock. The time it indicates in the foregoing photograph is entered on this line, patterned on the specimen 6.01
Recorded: 11.57
